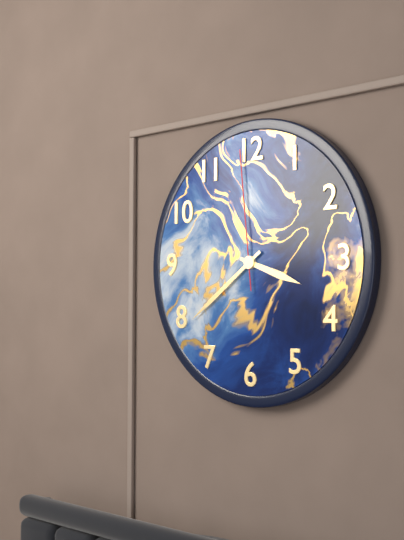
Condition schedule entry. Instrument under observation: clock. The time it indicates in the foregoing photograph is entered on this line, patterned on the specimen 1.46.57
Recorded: 3.39.59
